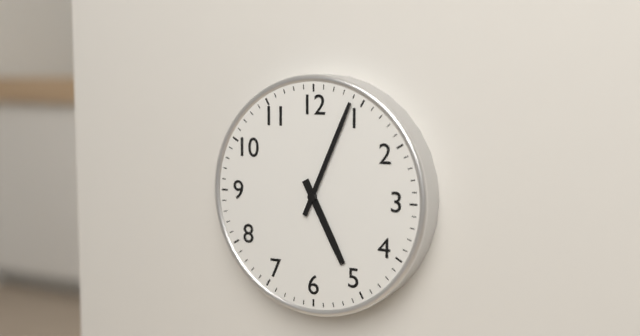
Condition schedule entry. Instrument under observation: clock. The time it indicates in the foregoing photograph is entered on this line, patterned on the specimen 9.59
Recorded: 5.04
